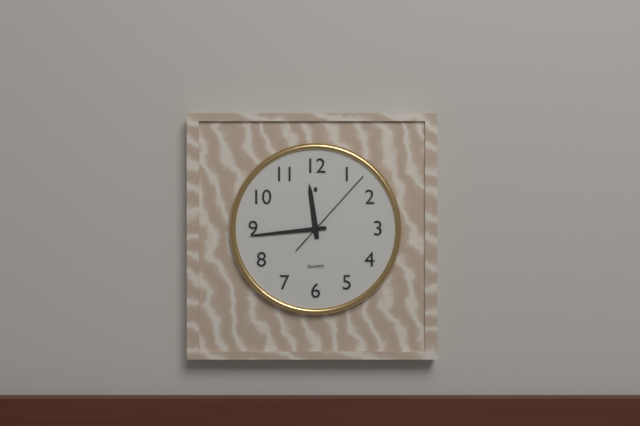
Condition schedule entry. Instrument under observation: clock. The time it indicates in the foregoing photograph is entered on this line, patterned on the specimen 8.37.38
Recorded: 11.44.07
